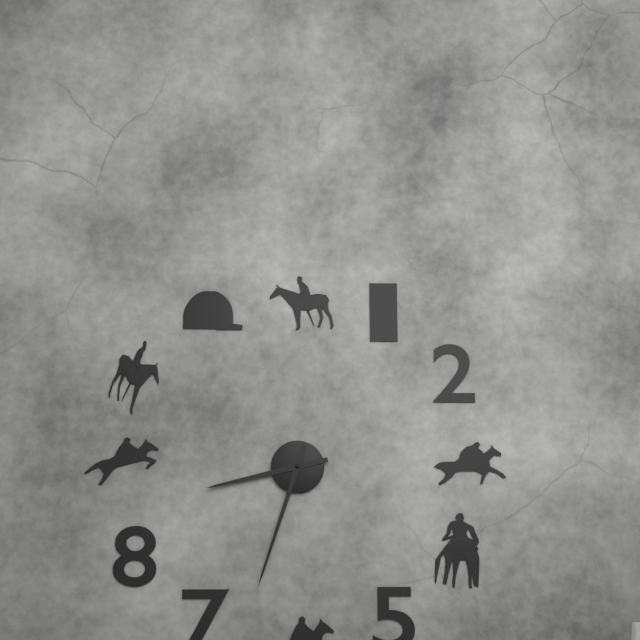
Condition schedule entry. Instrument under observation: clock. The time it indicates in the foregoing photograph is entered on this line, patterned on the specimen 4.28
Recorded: 8.33
